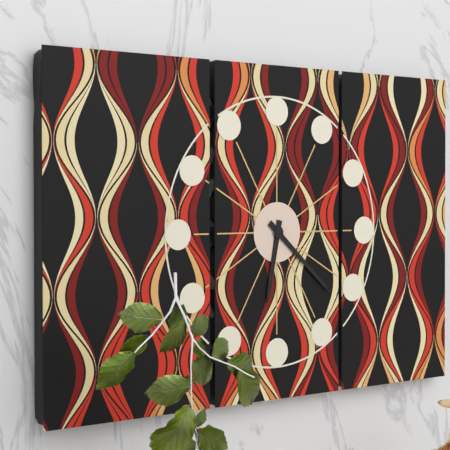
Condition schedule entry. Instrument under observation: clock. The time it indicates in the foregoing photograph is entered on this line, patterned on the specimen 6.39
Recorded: 6.22
